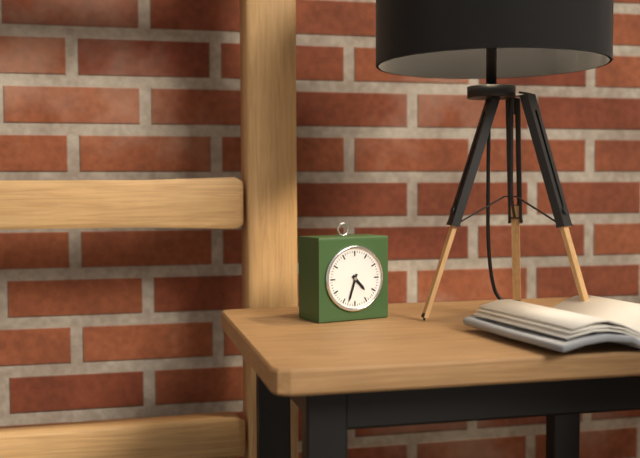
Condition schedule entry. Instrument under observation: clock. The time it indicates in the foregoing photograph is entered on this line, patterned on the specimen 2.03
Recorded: 4.33
